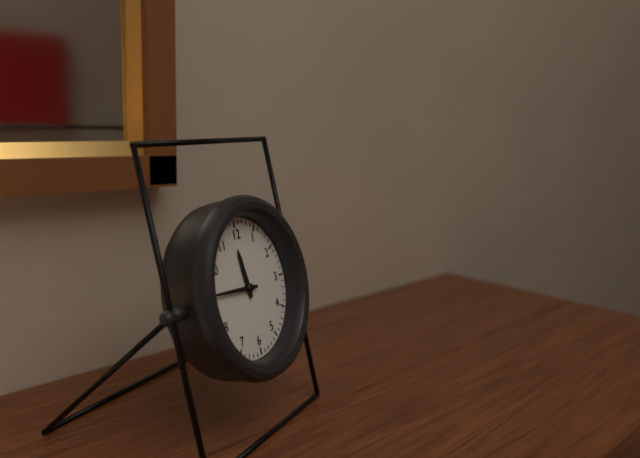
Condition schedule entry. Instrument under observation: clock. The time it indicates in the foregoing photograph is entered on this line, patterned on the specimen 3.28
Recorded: 11.46
